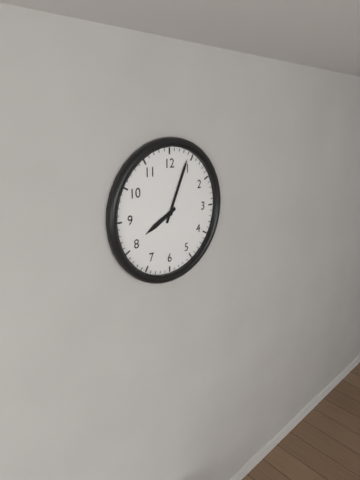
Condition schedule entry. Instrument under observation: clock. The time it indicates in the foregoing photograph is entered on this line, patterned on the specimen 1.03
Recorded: 8.04
